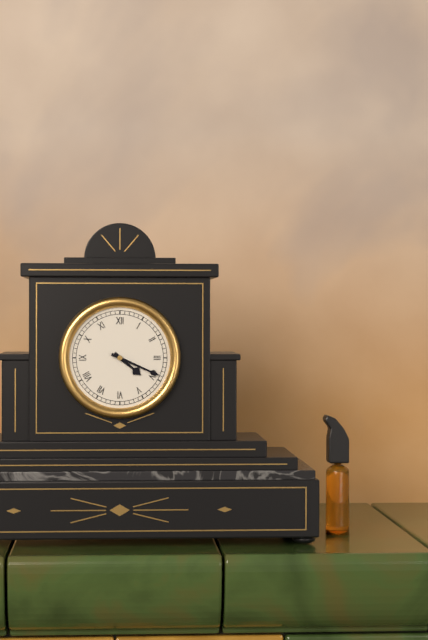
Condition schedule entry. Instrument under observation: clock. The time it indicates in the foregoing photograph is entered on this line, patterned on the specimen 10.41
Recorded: 4.19
